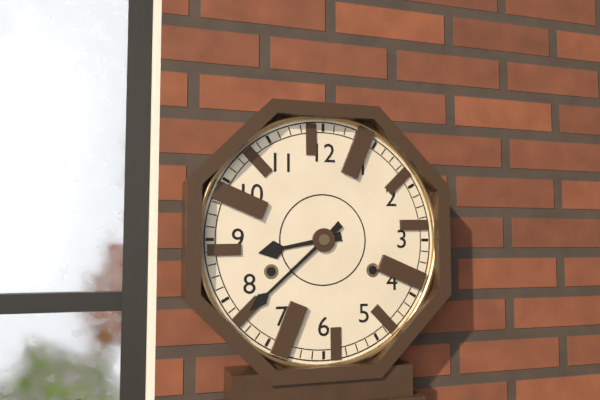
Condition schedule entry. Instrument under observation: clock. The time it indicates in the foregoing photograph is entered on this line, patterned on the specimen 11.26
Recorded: 8.38
